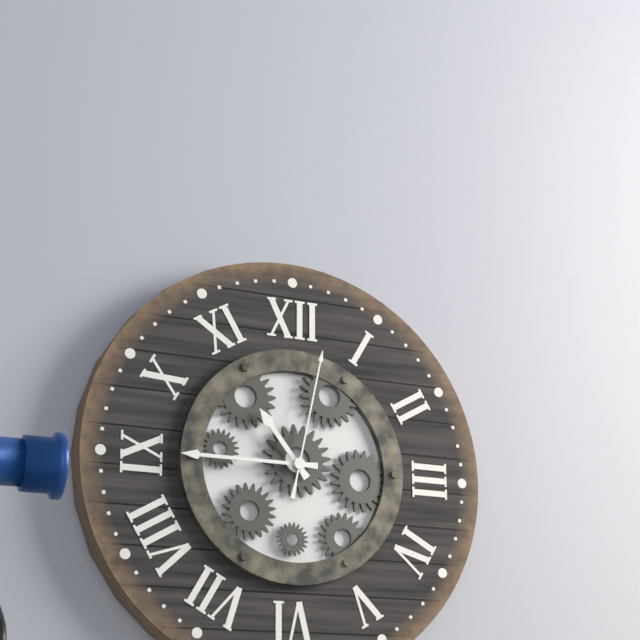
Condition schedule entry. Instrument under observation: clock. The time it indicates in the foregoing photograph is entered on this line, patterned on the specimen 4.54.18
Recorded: 10.45.02
